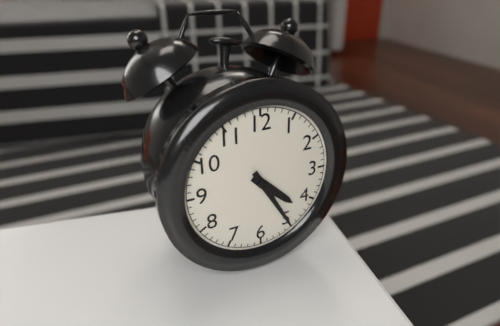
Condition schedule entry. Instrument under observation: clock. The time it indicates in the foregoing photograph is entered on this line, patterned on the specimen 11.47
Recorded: 4.25
